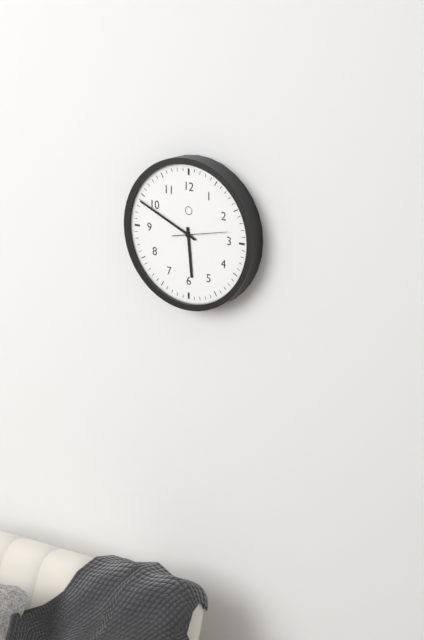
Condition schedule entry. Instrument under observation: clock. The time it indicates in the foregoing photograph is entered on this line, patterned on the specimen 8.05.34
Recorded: 5.49.13
